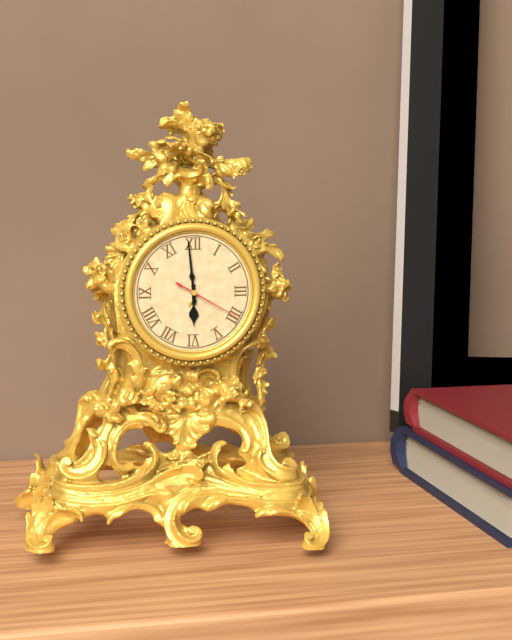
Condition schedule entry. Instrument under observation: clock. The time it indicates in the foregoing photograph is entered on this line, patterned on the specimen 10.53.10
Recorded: 5.59.20
